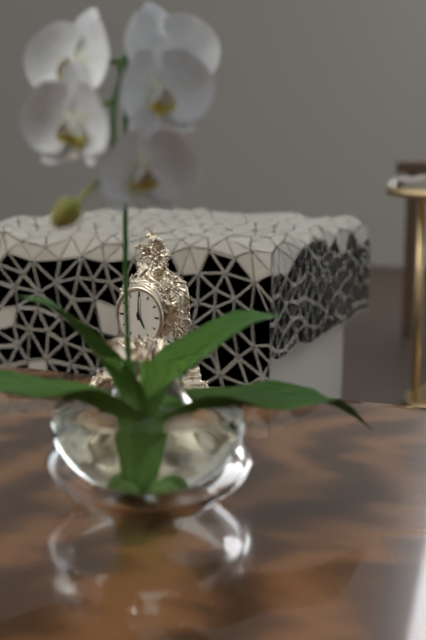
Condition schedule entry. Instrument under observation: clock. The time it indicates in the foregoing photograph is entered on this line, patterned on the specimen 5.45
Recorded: 5.00
